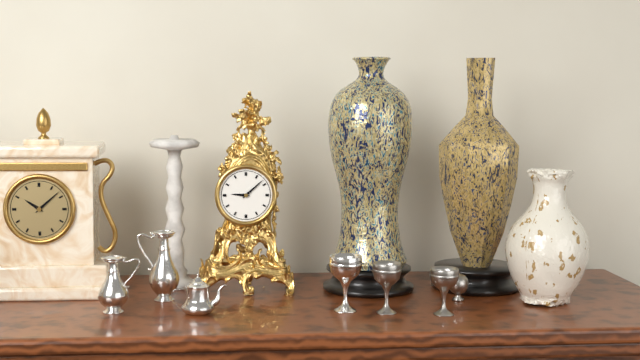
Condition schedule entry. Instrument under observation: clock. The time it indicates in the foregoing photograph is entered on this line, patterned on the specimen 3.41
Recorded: 9.08
